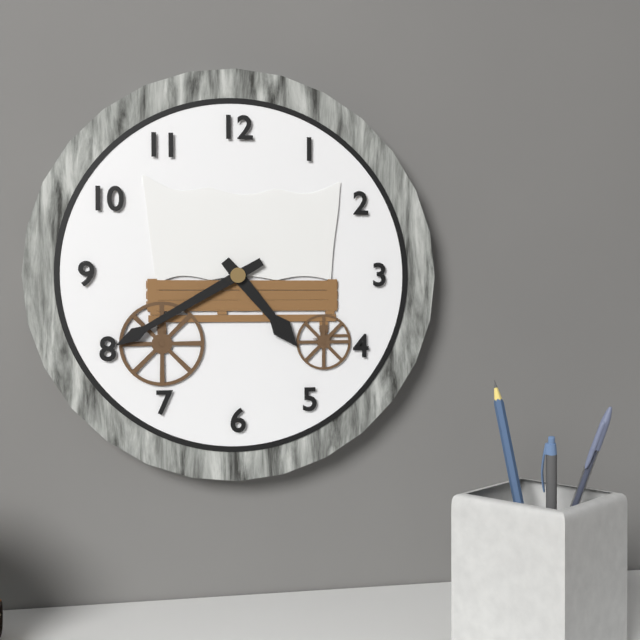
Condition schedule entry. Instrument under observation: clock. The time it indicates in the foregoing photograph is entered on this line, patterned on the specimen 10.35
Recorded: 4.40
